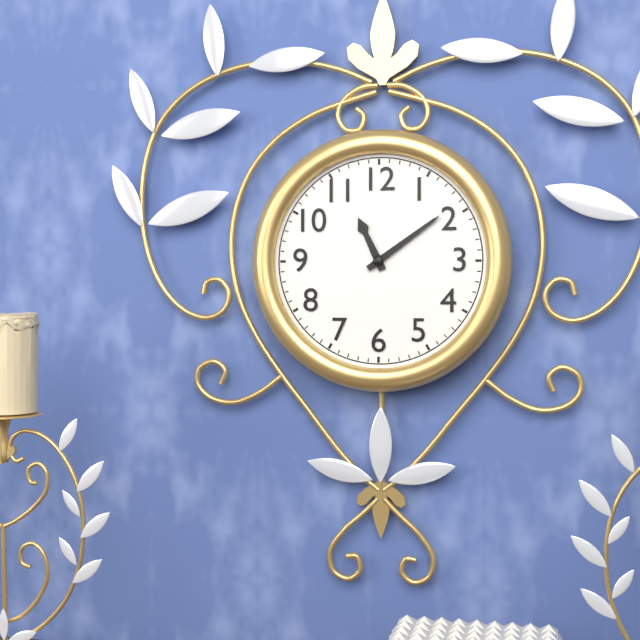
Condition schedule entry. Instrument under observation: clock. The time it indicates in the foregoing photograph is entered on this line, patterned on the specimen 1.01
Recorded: 11.09
